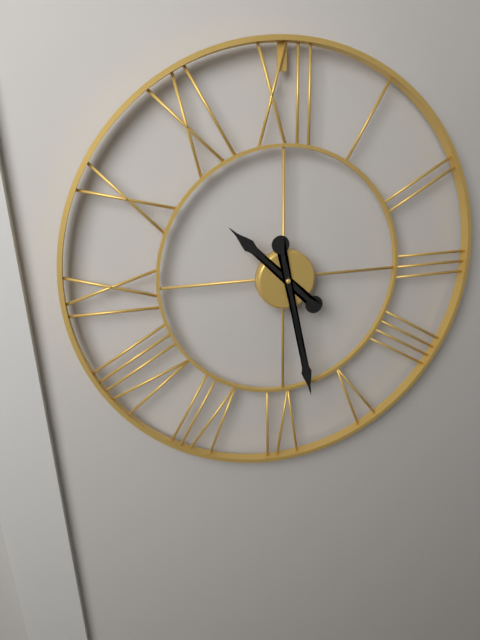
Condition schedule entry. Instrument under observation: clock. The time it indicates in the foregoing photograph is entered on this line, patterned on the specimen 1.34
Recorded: 10.28
